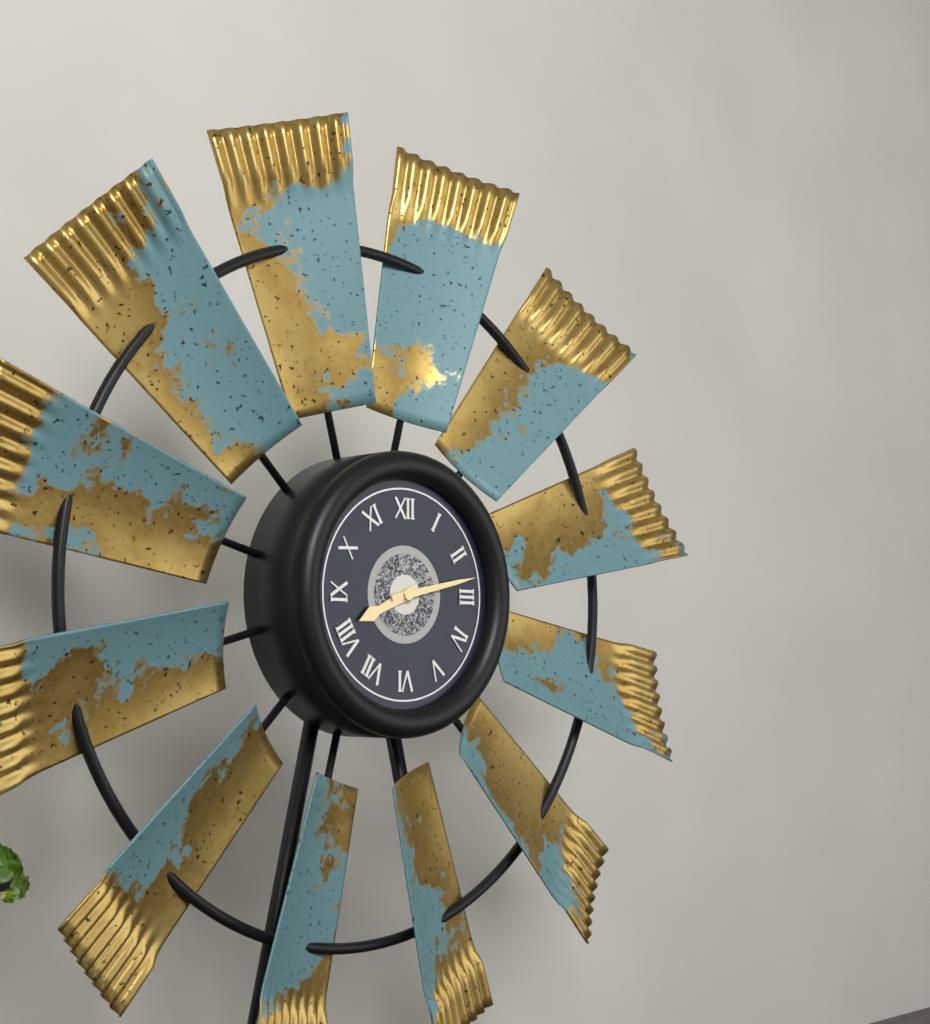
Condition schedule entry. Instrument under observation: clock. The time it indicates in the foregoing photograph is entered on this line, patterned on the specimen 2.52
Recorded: 8.13
